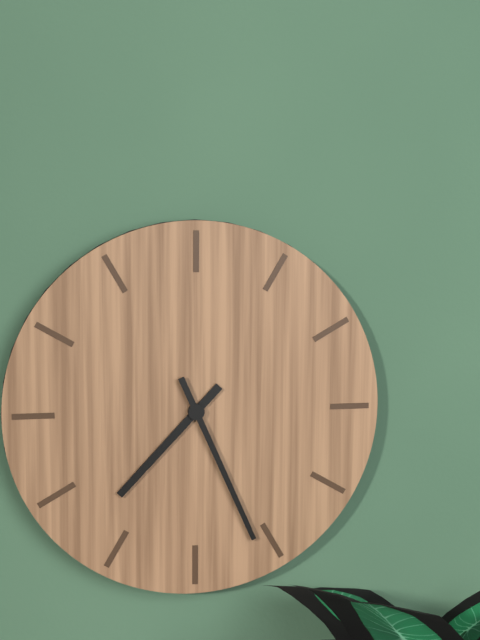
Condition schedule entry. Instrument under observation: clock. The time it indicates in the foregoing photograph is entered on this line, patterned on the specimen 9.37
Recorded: 7.26
